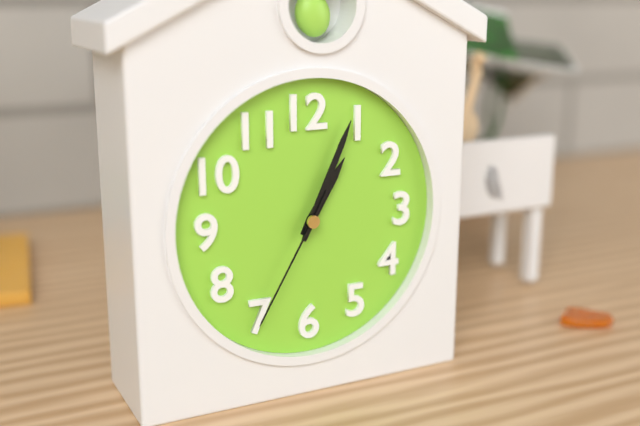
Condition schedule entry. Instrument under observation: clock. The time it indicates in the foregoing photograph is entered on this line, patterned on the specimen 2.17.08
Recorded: 1.04.35
